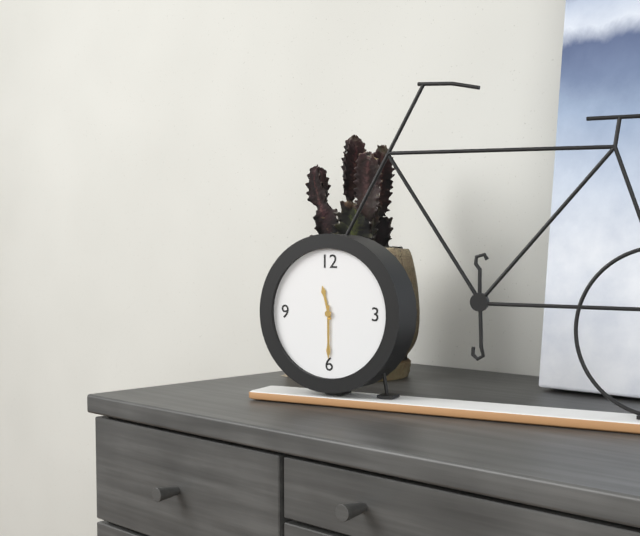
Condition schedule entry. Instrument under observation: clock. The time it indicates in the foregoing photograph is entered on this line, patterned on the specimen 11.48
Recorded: 11.30
